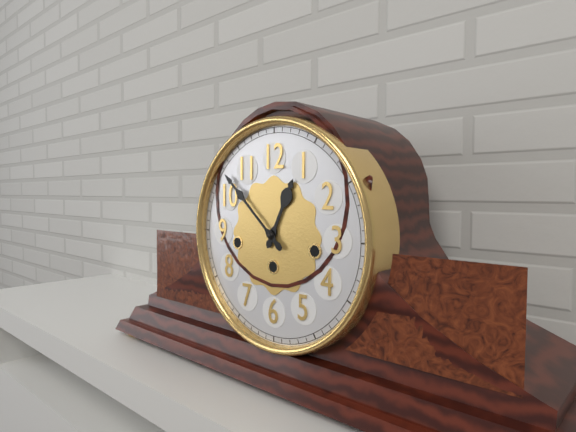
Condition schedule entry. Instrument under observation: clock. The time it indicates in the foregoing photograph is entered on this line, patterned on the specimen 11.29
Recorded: 12.52
